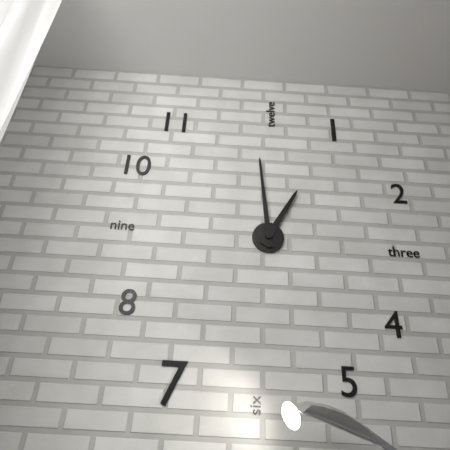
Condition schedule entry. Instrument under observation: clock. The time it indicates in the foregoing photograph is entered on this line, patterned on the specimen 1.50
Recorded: 12.59
